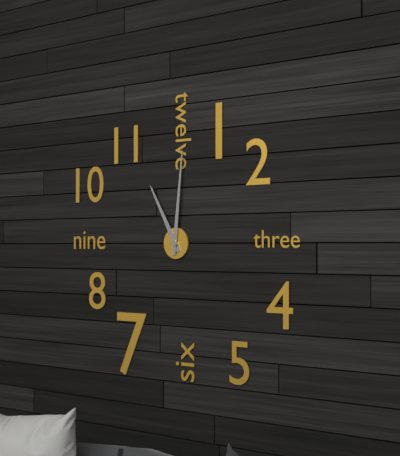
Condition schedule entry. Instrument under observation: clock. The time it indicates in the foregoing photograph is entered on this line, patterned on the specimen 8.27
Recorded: 11.01
